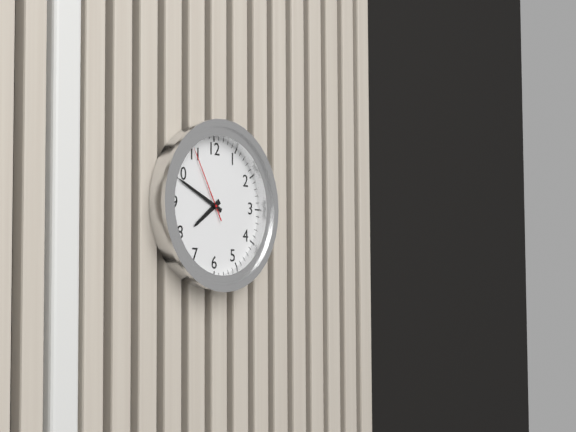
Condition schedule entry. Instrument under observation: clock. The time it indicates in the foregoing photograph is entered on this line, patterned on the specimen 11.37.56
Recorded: 7.49.55
